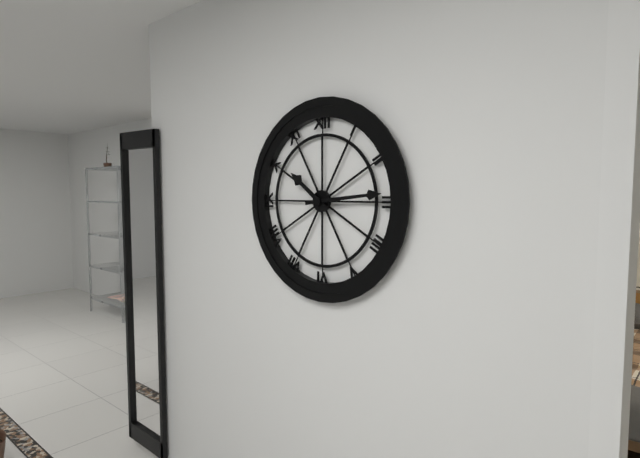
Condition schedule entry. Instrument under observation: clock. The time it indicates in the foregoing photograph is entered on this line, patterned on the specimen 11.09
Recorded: 10.14
